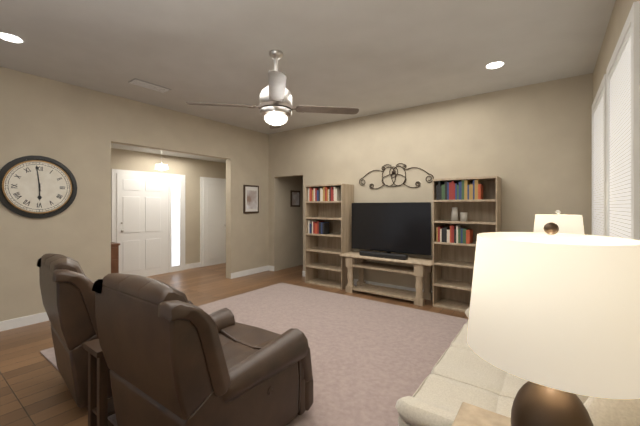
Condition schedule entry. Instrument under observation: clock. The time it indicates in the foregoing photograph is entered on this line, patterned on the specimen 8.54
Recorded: 5.59
